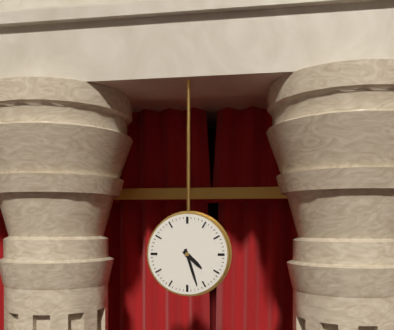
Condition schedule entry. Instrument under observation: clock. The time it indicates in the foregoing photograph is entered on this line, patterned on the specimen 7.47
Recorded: 4.27
